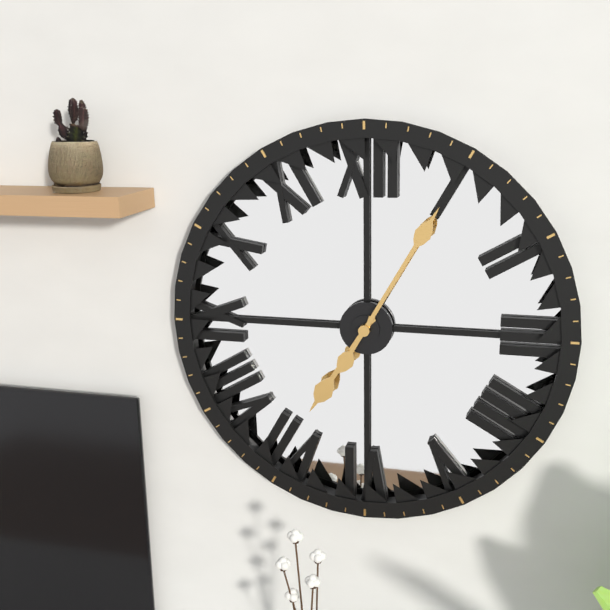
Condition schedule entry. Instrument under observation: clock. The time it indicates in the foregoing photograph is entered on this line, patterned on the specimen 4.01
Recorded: 7.05
